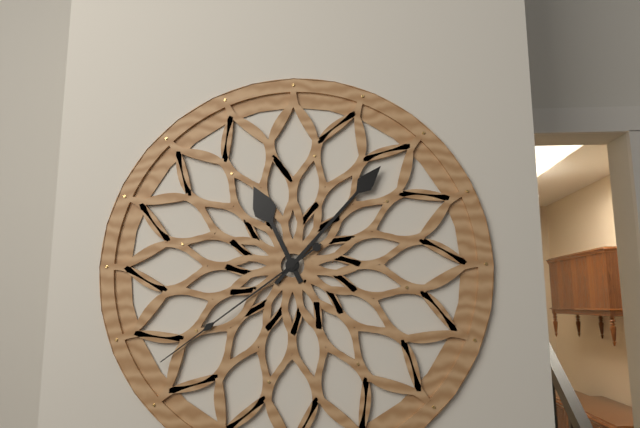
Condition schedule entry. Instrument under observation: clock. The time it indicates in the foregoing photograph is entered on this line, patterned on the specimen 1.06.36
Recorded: 11.07.39
